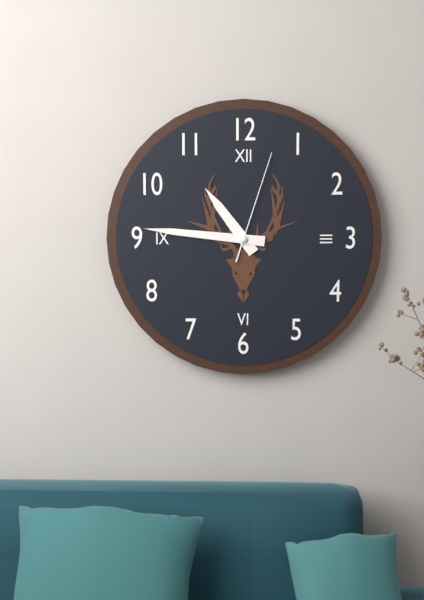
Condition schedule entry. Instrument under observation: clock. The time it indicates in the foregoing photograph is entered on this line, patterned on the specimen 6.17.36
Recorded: 10.46.03
